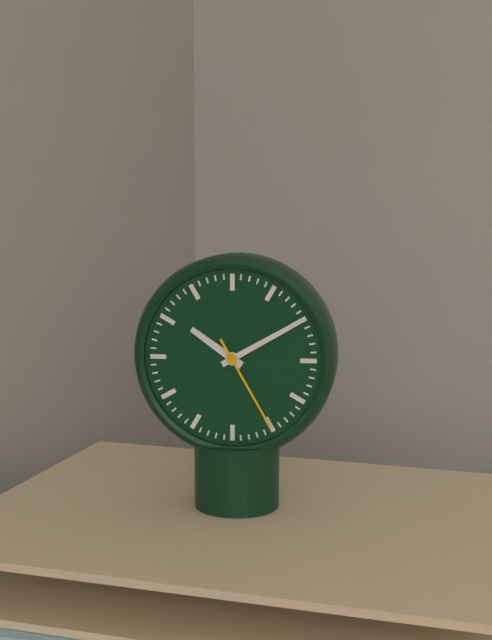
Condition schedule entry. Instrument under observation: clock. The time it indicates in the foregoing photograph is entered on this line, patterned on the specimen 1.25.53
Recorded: 10.10.25
